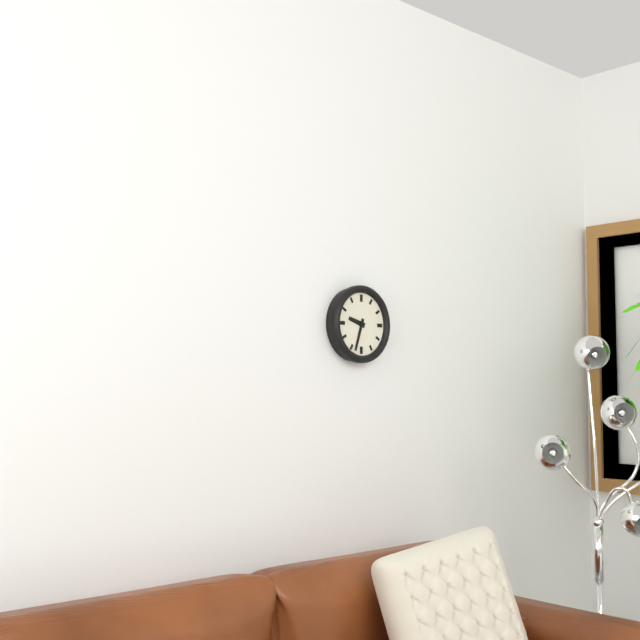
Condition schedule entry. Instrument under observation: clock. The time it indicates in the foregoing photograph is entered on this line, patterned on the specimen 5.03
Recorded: 9.33
